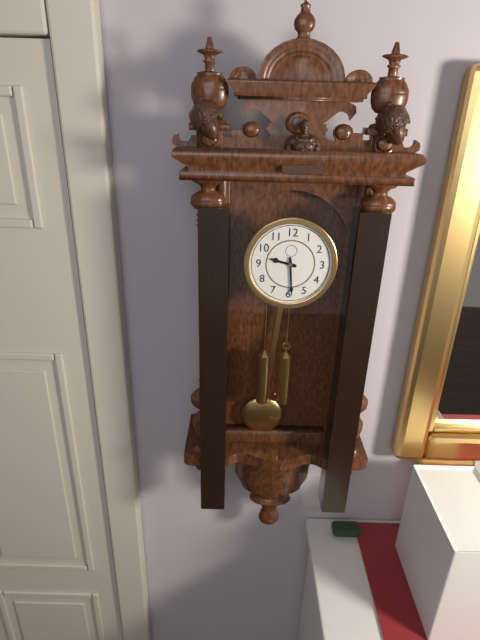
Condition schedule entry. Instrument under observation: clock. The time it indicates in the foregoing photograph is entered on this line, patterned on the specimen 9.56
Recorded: 9.29
